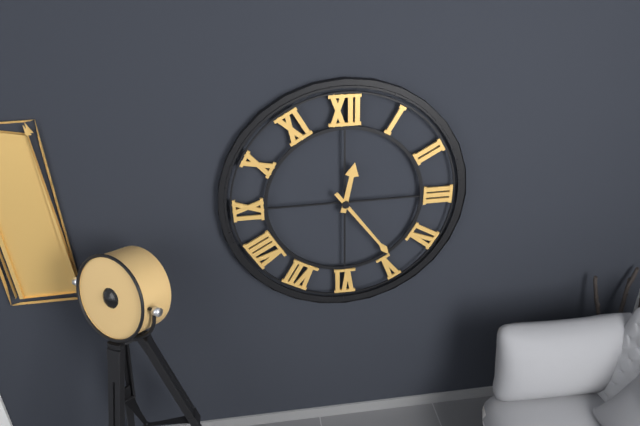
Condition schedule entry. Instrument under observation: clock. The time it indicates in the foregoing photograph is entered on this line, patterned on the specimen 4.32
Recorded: 12.24
